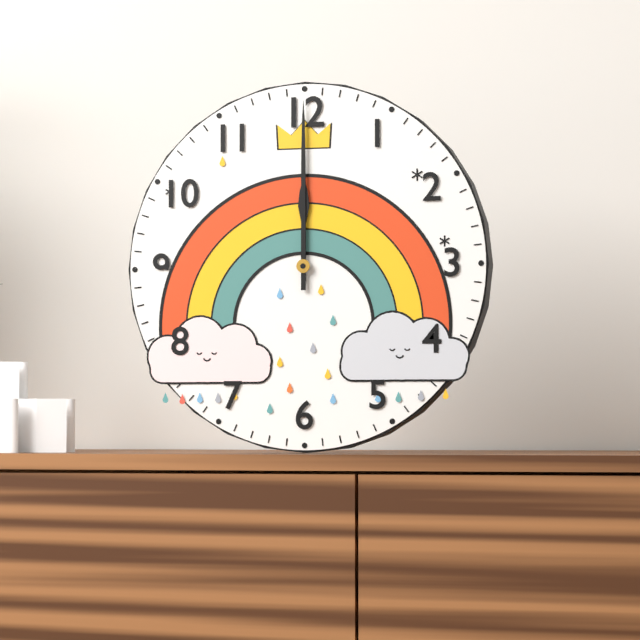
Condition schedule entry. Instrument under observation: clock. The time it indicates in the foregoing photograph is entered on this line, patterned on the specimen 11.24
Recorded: 12.00
